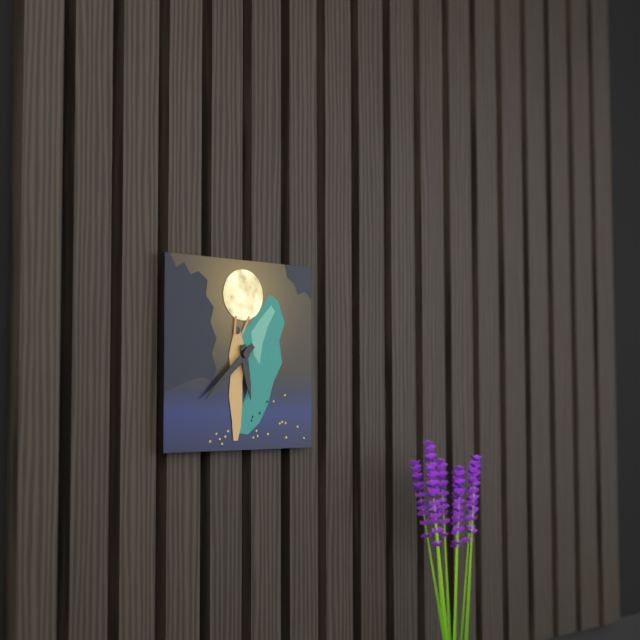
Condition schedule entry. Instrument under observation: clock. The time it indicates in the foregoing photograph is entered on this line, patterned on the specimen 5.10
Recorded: 5.38
